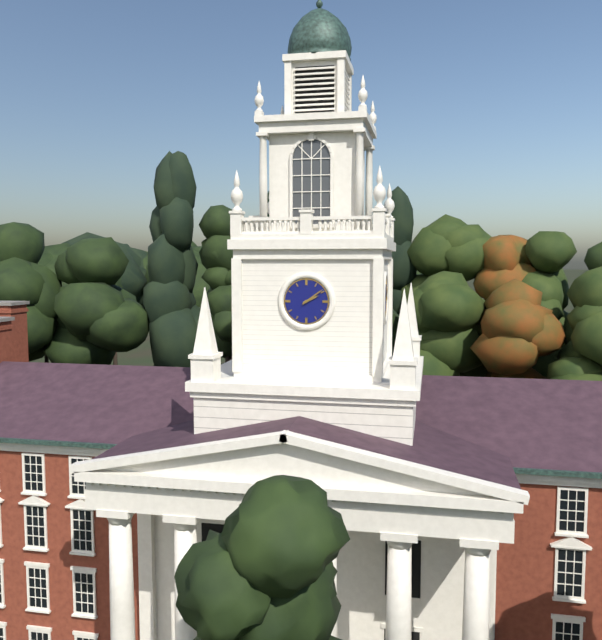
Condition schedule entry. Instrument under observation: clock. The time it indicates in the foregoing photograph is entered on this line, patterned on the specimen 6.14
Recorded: 2.09
